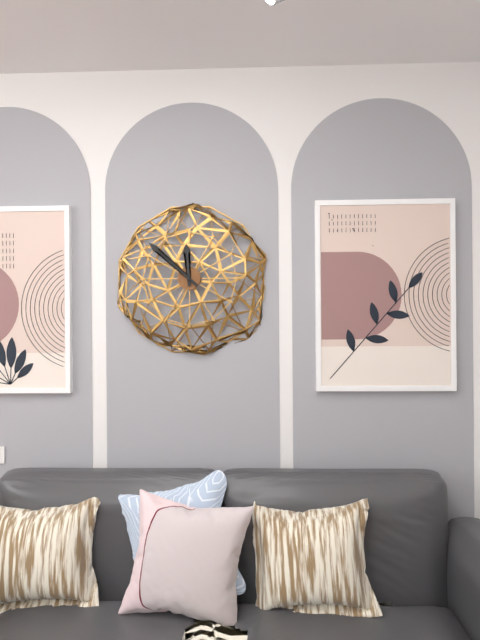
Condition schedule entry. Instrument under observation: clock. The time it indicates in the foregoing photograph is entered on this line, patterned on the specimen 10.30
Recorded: 11.52
